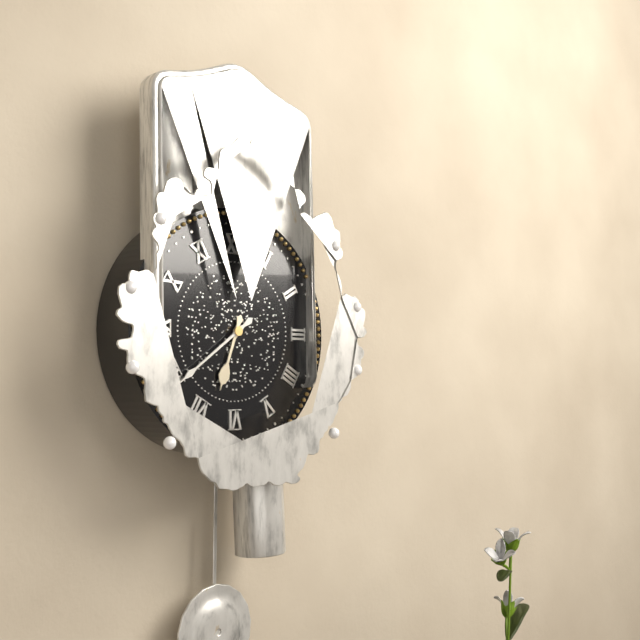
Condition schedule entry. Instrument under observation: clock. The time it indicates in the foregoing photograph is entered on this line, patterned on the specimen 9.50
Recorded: 6.39
